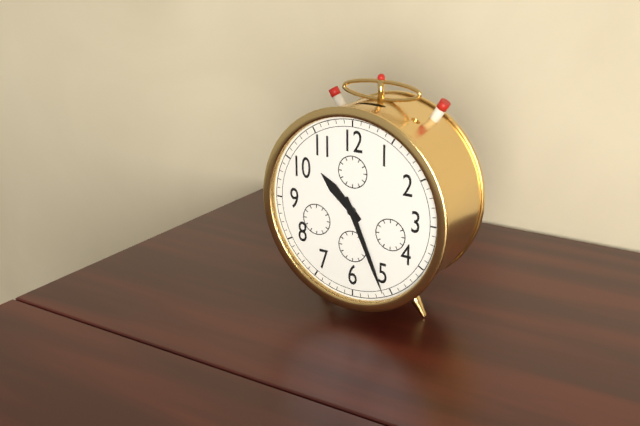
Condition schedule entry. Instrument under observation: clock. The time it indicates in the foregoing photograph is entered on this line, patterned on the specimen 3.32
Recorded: 10.26
